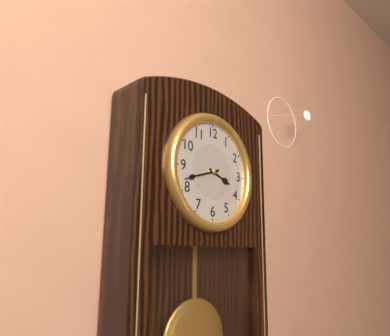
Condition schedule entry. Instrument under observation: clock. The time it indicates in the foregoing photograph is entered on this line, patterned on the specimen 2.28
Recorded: 3.42
